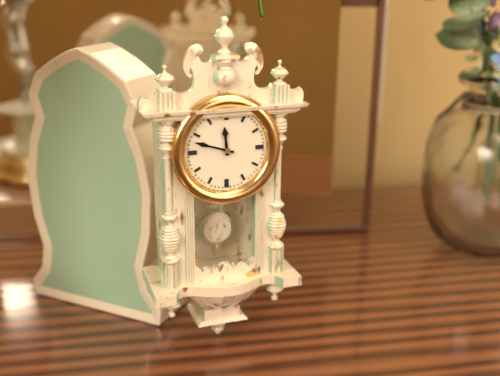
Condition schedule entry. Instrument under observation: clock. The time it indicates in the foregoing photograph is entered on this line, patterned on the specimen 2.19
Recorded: 11.48
